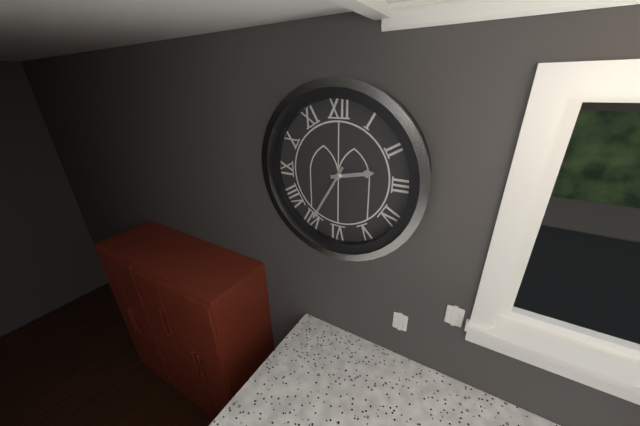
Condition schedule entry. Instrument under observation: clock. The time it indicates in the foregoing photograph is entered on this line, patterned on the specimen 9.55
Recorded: 2.35
